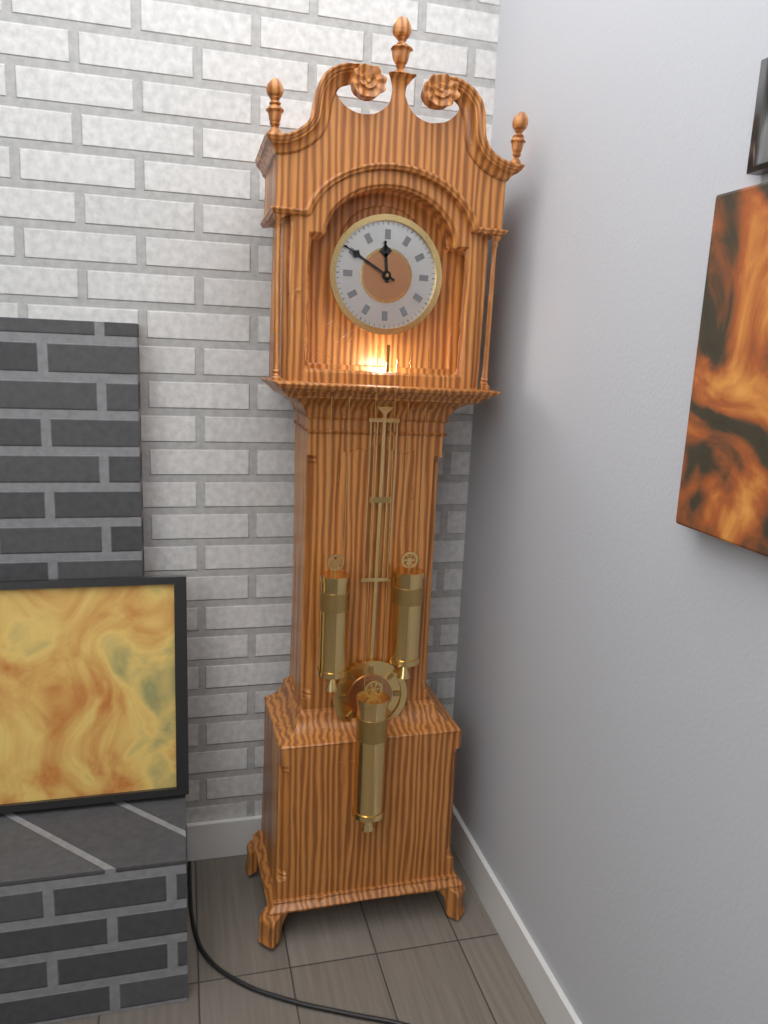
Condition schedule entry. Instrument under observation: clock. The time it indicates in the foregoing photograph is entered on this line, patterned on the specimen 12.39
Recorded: 11.50
